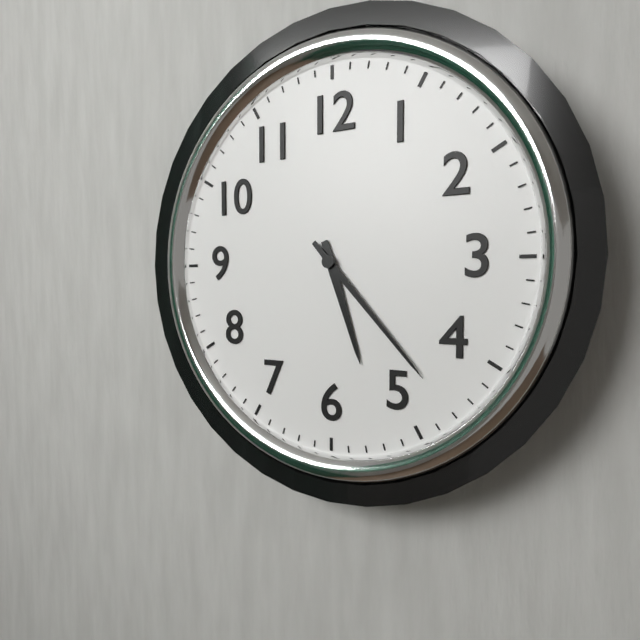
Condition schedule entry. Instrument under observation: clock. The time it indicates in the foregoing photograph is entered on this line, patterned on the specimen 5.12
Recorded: 5.23
